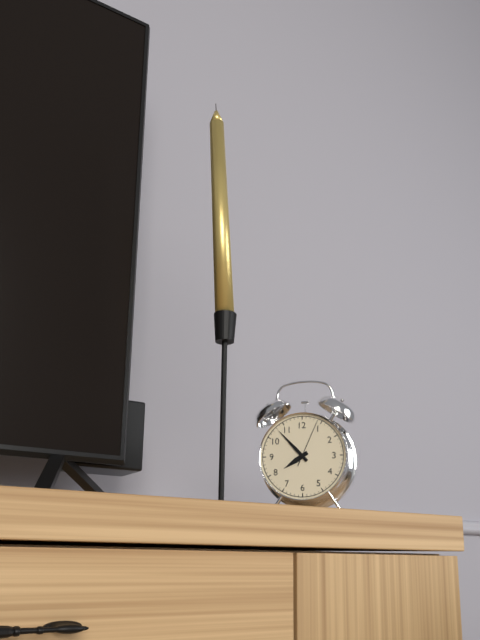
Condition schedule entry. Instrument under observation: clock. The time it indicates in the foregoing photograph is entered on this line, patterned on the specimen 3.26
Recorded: 7.53
